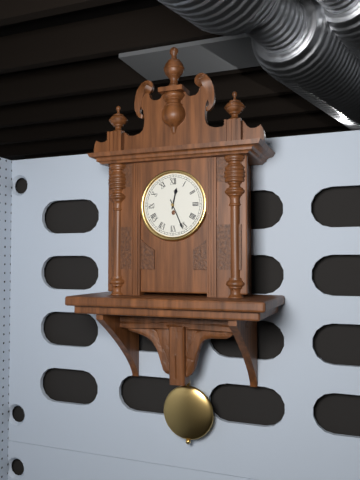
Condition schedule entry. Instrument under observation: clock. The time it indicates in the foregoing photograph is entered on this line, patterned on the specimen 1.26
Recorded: 12.26
